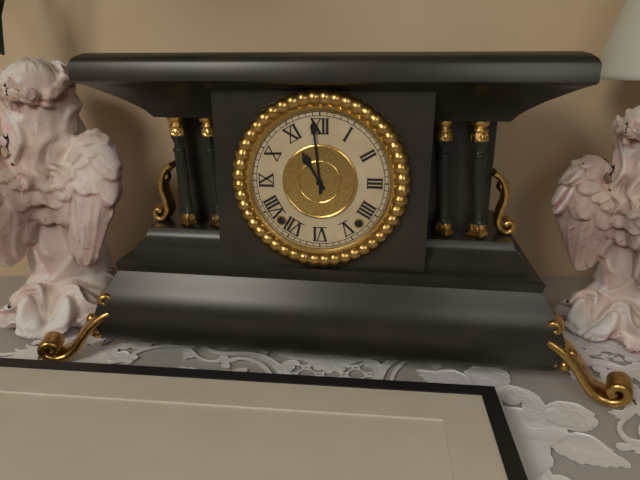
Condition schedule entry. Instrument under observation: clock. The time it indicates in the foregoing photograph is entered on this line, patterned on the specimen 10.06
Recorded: 10.59
